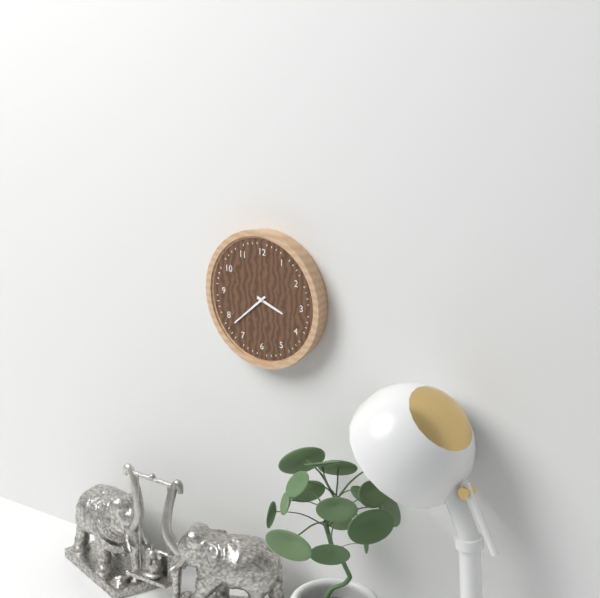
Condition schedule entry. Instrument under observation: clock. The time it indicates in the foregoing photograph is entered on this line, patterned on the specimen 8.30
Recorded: 3.38
